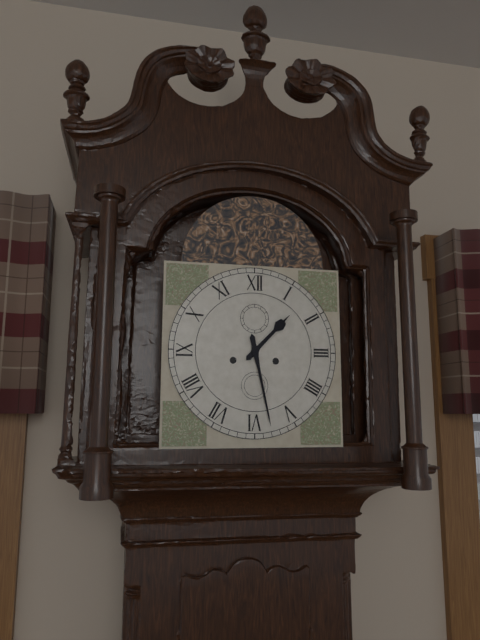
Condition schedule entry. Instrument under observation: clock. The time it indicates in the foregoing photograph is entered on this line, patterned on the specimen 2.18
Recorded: 1.28
